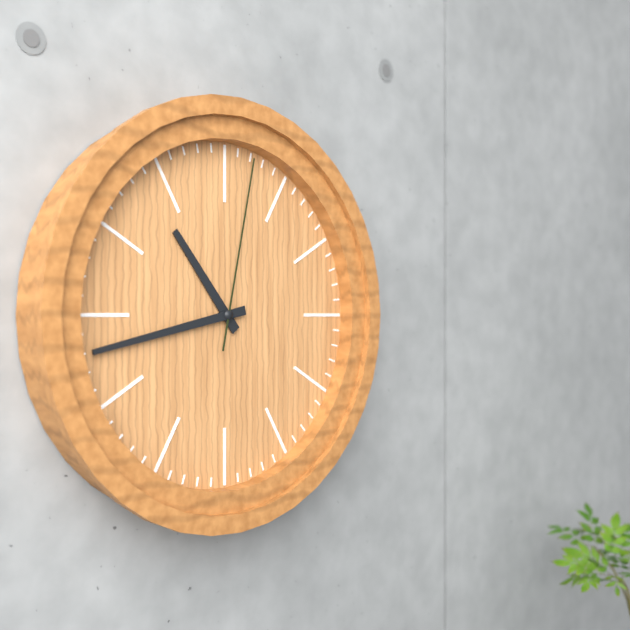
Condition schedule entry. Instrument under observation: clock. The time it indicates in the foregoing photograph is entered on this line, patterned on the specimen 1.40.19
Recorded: 10.43.02
